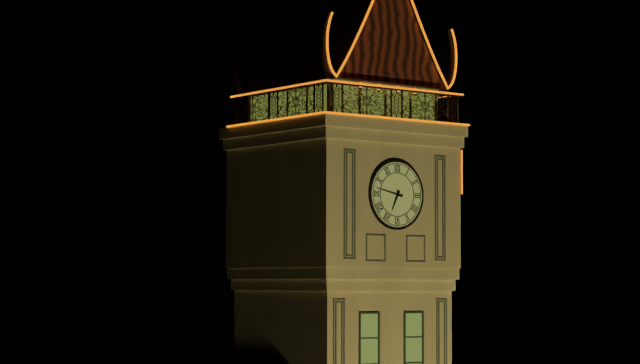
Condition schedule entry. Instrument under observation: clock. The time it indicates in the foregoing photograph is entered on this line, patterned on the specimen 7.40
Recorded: 6.47
